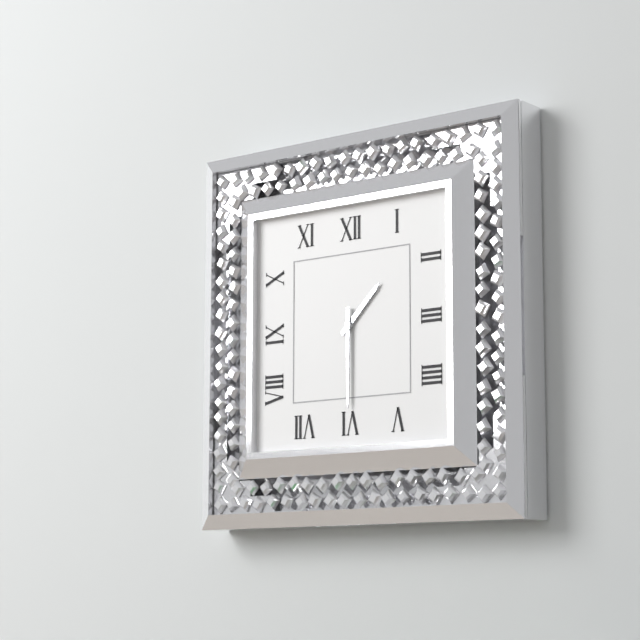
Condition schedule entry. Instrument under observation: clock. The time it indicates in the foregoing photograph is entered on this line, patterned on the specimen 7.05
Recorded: 1.30
